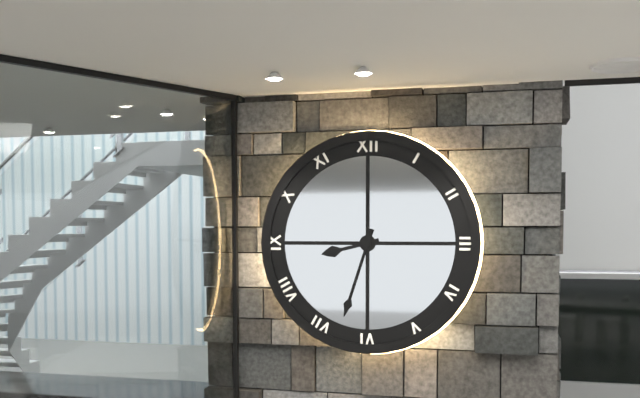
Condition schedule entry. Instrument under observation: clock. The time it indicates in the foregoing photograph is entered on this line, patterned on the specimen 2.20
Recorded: 8.33
